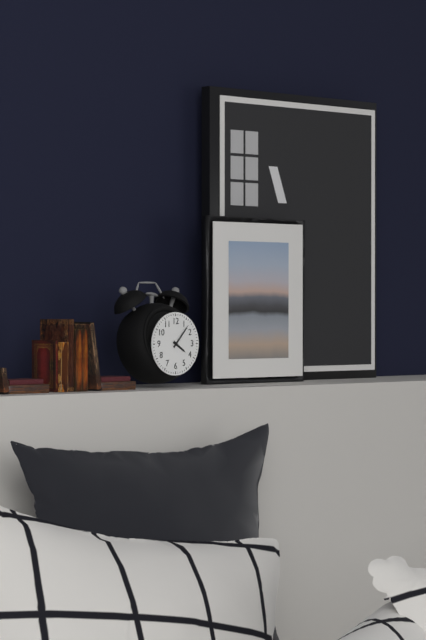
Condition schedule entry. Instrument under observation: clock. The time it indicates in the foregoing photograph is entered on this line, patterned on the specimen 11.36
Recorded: 4.07
